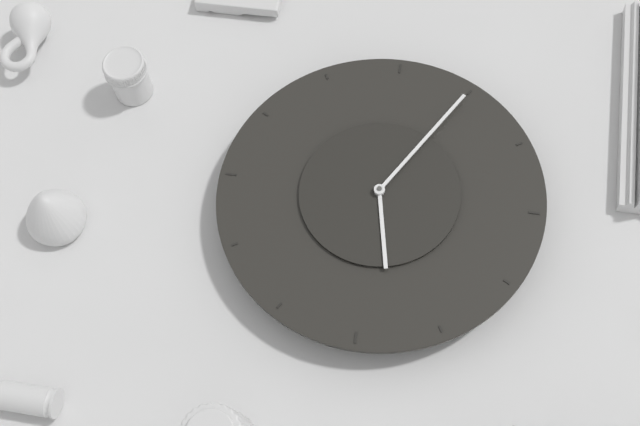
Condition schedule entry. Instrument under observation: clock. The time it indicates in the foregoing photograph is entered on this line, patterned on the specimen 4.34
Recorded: 11.35
